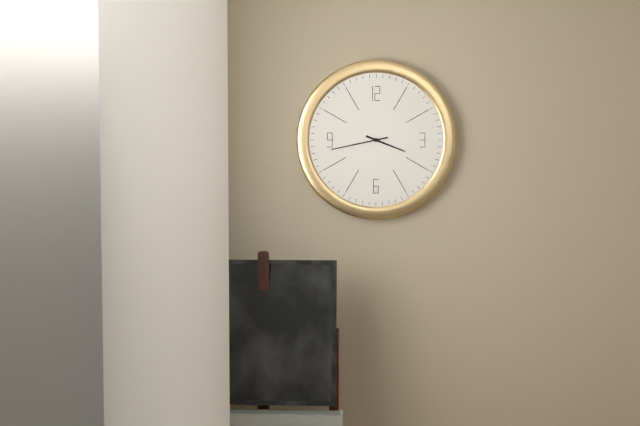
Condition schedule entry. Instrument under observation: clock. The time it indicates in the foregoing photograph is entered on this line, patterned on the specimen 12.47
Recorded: 3.43
